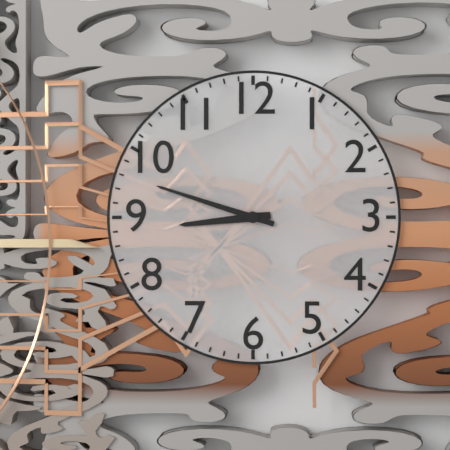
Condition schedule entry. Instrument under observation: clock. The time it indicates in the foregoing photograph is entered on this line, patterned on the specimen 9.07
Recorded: 8.48
